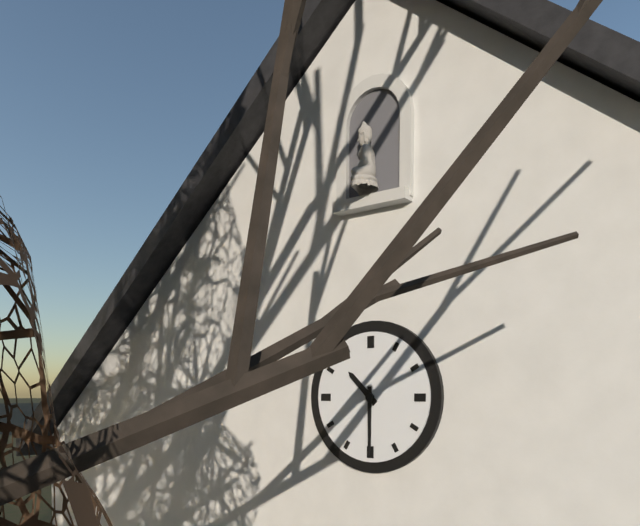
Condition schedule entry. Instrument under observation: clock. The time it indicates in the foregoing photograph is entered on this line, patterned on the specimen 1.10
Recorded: 10.30
